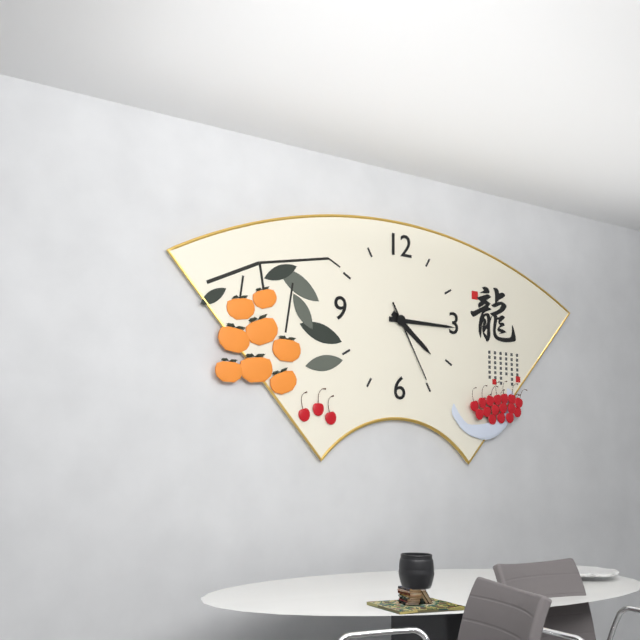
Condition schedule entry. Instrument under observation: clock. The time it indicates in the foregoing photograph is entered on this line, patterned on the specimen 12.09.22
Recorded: 4.15.25
